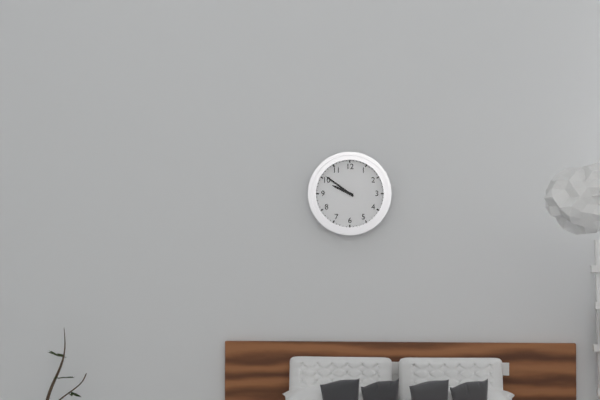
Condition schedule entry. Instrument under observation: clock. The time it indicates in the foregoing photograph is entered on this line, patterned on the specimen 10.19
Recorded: 9.51
